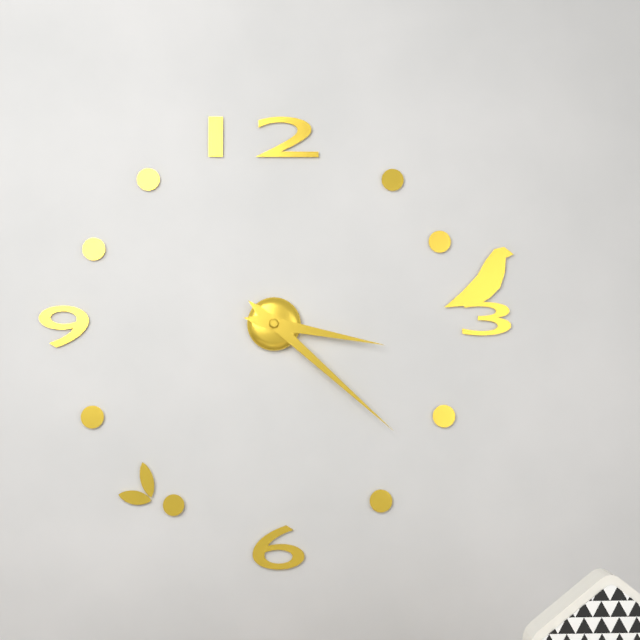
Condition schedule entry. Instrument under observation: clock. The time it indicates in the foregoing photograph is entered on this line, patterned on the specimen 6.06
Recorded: 3.22
